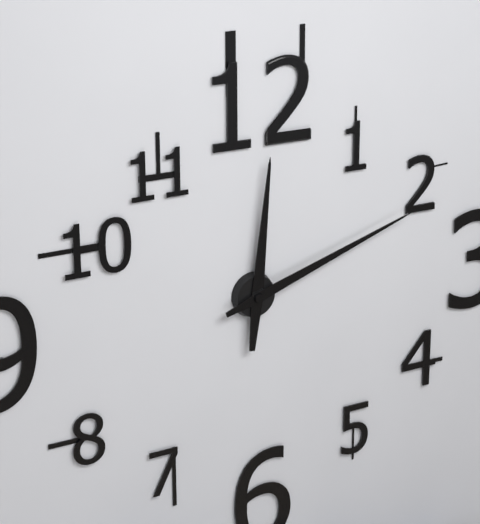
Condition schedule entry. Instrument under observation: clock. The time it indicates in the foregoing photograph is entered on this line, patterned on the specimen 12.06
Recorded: 12.12
